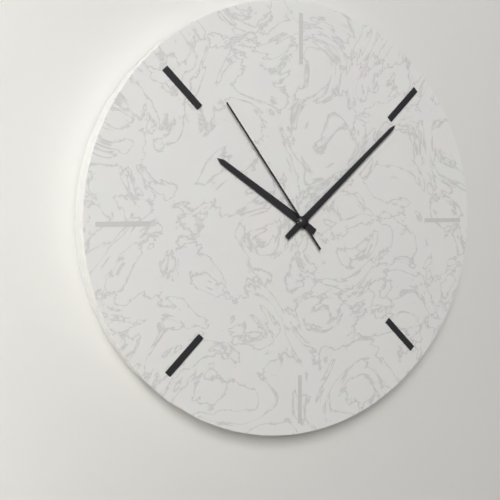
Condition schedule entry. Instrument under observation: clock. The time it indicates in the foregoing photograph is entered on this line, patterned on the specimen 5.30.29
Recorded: 10.08.54
